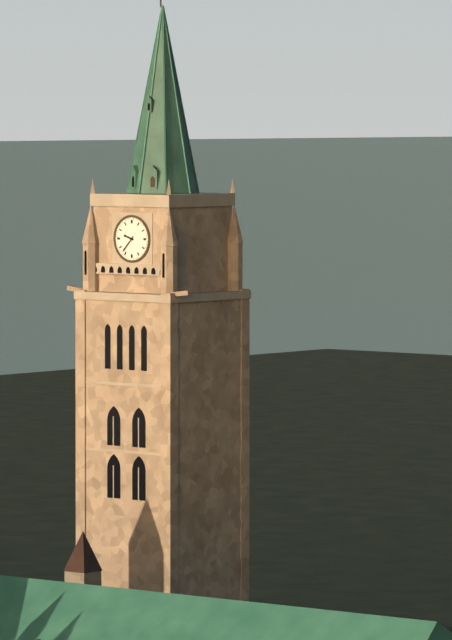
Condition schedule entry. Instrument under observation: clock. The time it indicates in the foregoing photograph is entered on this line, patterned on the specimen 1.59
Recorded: 9.37
